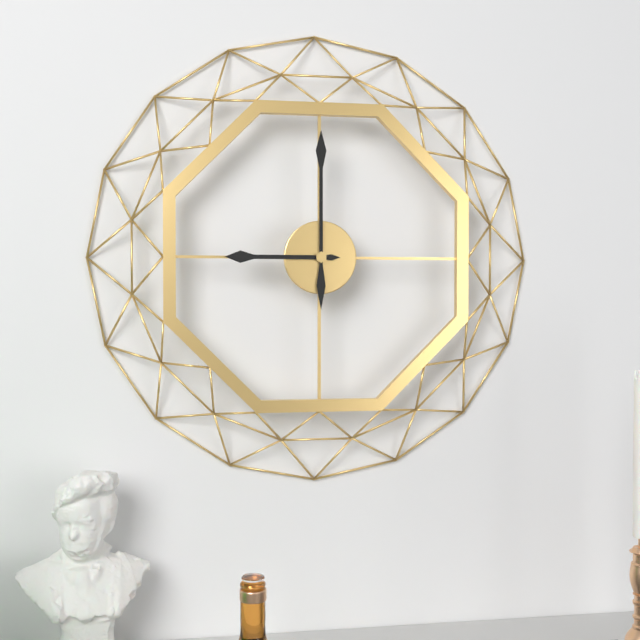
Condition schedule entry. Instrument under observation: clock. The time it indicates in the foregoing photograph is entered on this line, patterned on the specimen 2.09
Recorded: 9.00
